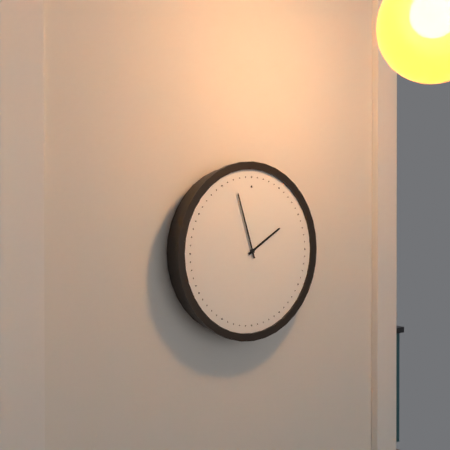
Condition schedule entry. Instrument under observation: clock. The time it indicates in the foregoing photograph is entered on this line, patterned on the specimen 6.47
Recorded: 1.57
